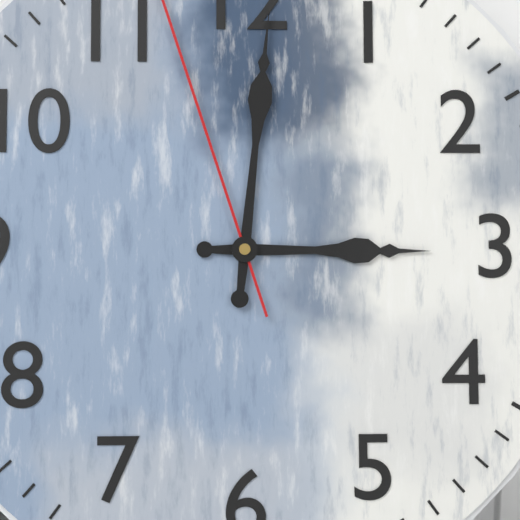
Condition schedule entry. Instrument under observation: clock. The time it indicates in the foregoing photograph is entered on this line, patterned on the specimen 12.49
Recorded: 3.01
